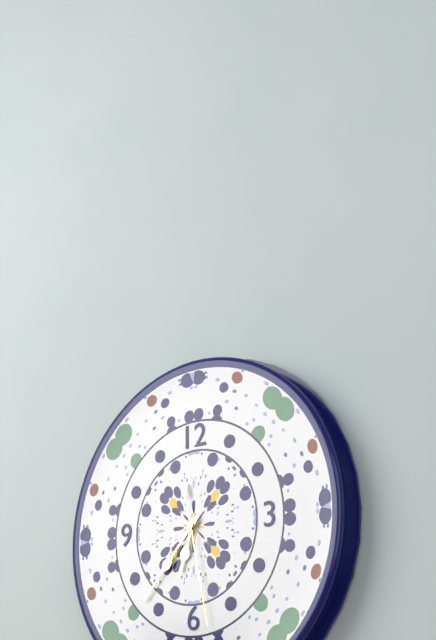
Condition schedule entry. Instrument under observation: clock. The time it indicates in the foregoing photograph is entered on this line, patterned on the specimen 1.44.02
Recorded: 6.37.28
